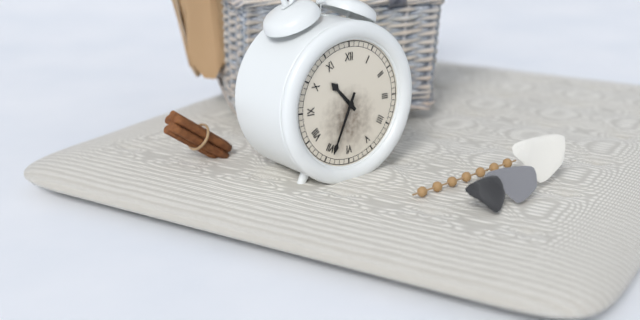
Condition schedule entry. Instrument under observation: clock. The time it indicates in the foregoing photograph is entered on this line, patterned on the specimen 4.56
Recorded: 10.34
